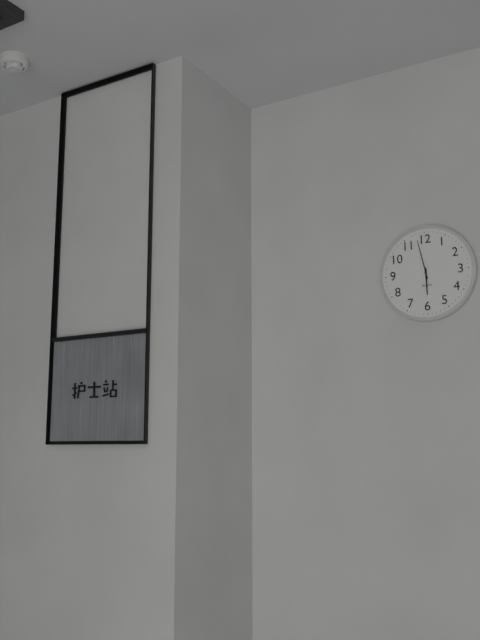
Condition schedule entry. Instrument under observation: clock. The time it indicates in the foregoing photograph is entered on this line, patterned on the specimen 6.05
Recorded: 5.58
